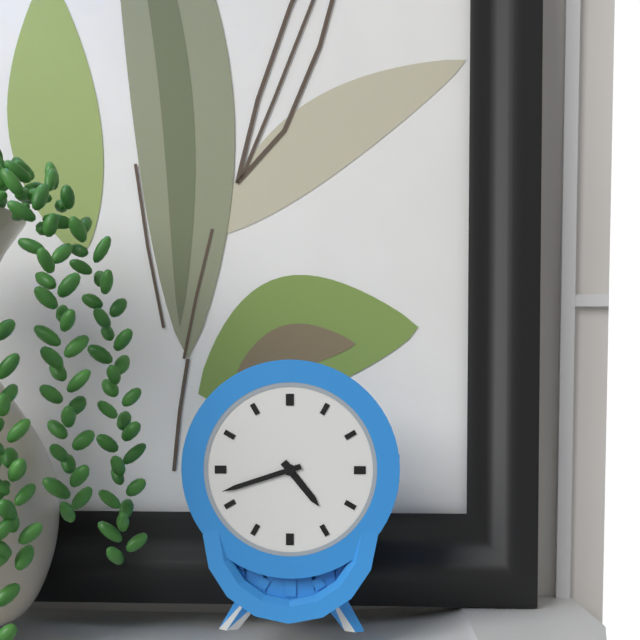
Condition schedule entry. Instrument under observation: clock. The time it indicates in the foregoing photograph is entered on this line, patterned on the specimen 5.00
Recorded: 4.42
